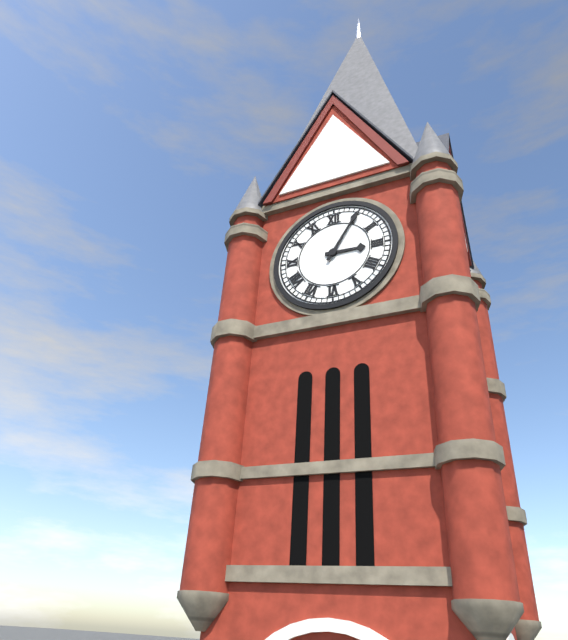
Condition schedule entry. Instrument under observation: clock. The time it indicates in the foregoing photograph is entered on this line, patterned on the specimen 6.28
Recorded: 3.05
